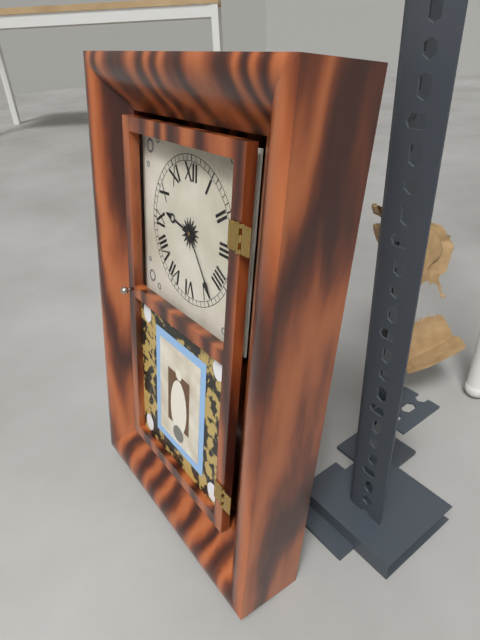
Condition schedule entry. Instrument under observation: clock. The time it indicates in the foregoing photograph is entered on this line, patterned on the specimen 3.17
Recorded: 9.24
